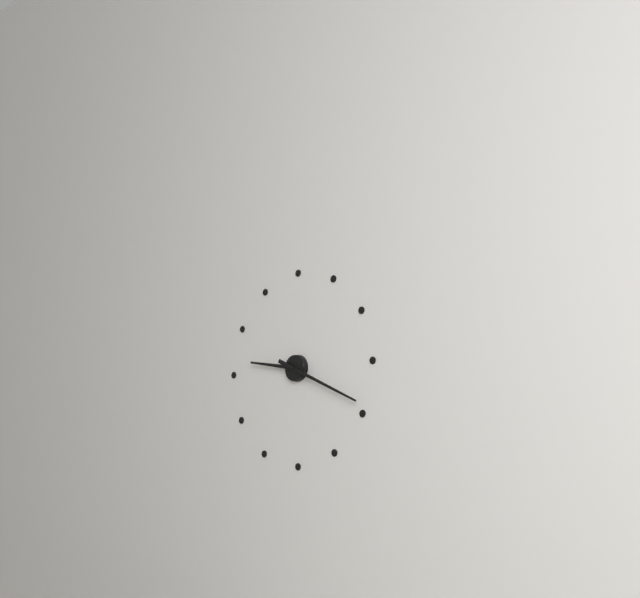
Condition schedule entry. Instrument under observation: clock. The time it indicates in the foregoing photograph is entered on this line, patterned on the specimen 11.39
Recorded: 9.19
